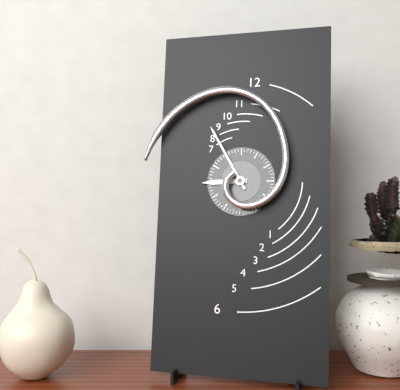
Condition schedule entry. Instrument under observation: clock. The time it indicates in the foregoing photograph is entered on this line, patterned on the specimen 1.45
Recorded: 8.55
